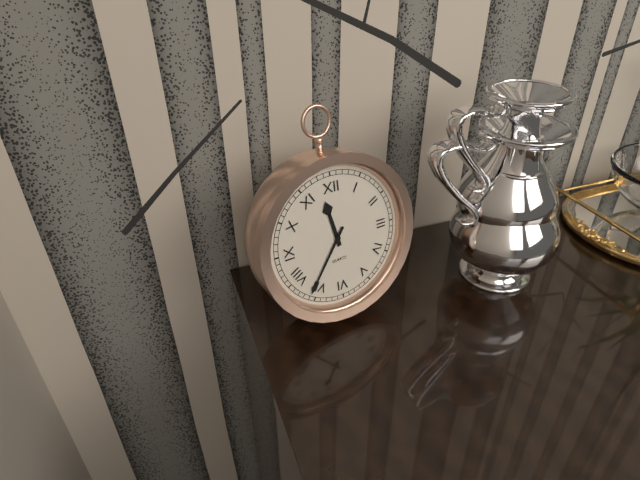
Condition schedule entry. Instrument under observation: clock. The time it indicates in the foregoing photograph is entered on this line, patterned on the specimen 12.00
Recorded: 11.36
